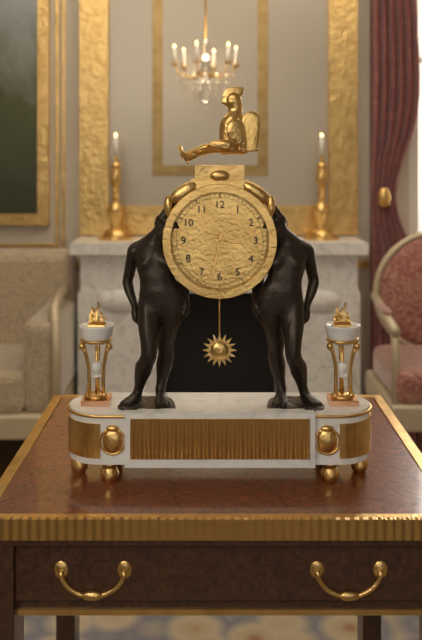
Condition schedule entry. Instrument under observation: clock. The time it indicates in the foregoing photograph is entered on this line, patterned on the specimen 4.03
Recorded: 3.32
